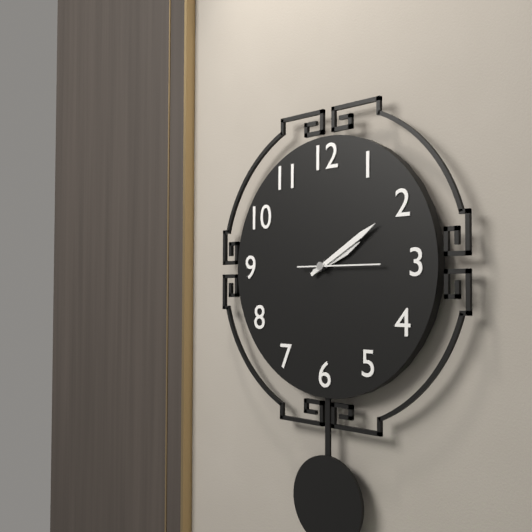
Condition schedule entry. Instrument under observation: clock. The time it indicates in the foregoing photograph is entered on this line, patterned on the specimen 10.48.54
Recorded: 2.10.15
